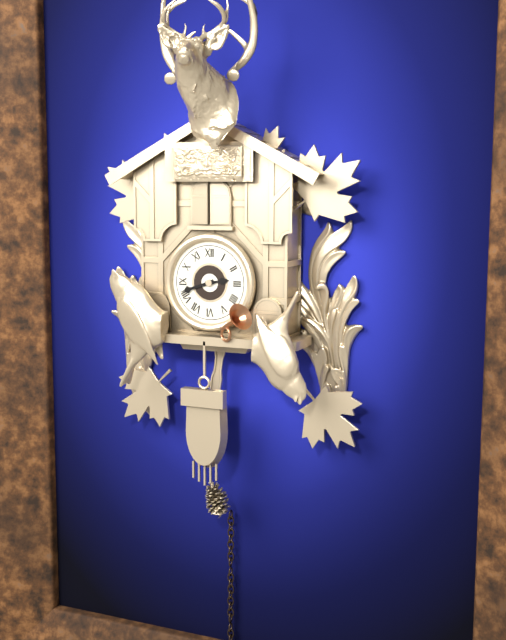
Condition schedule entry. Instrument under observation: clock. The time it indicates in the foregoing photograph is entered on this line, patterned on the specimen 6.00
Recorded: 2.42
